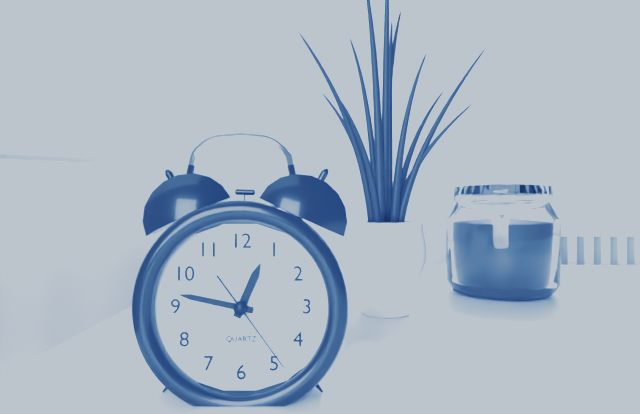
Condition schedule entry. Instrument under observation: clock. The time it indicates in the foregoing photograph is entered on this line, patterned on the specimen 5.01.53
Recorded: 12.47.24
